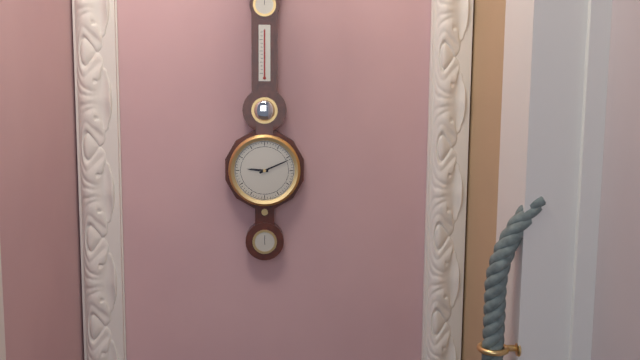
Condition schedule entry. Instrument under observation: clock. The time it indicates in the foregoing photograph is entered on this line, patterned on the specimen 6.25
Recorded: 9.11
